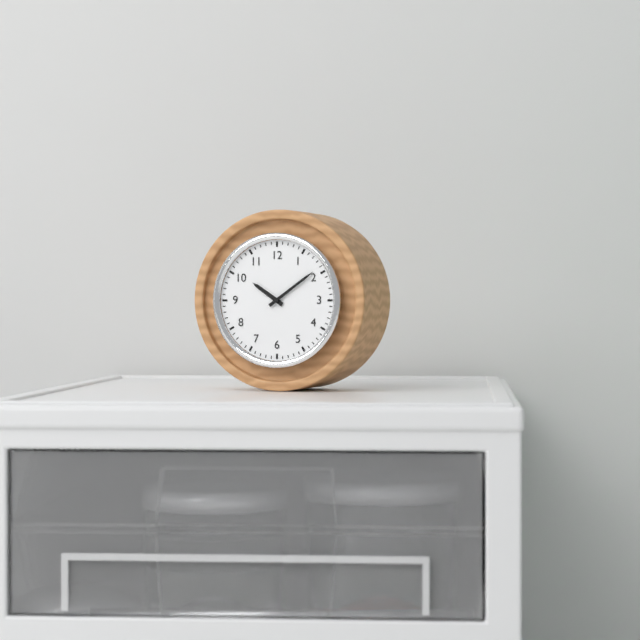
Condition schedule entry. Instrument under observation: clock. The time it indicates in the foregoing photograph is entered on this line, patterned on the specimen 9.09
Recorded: 10.09
